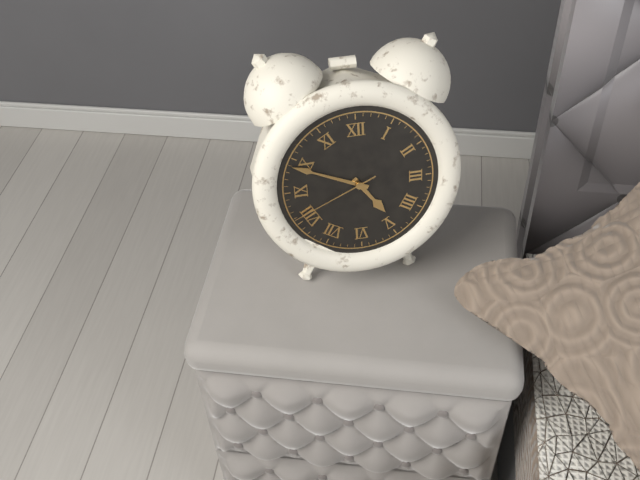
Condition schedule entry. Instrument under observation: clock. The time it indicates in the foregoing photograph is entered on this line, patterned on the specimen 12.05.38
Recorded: 4.49.41
